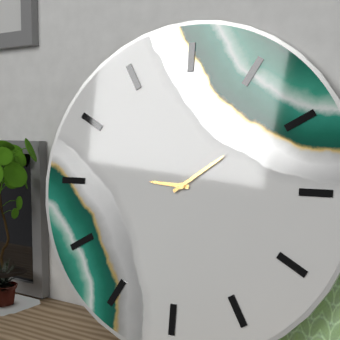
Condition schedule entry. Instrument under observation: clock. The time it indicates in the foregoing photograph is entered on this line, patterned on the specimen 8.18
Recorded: 9.09
